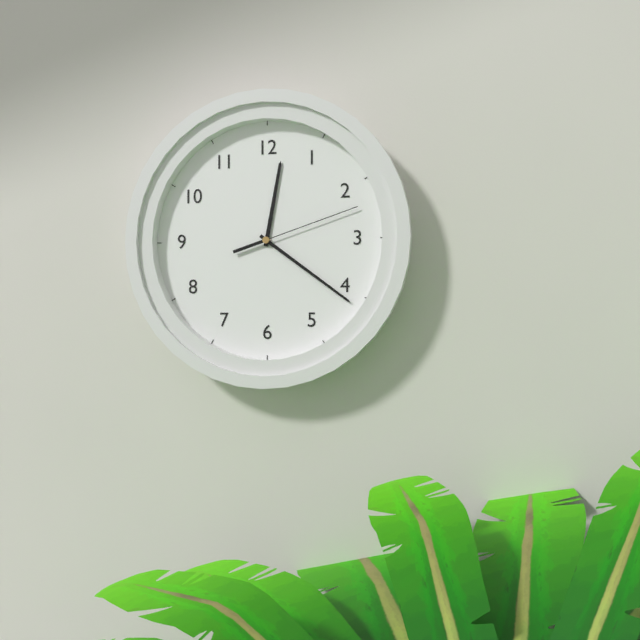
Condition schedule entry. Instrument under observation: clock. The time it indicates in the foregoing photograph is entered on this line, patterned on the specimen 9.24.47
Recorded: 12.21.12
